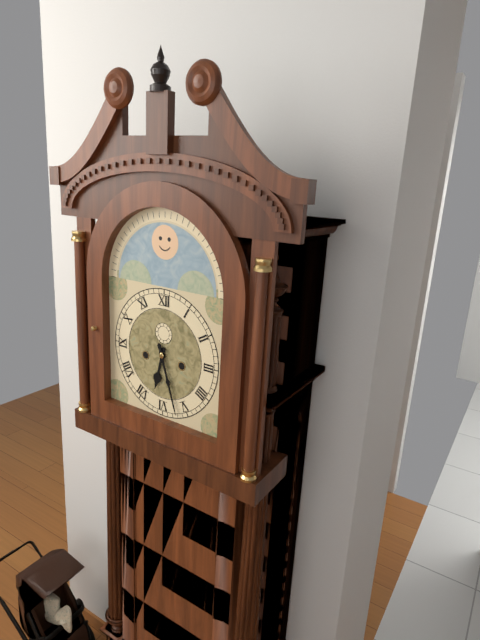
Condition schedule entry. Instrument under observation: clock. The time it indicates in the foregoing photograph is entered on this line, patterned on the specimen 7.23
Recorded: 6.27
